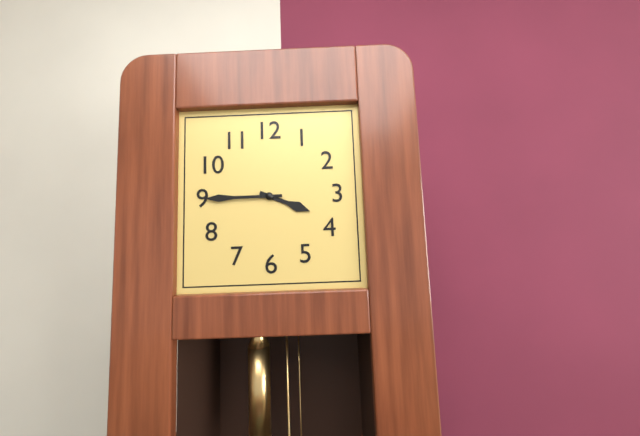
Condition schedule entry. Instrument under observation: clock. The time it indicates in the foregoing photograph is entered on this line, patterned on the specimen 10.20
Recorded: 3.45
